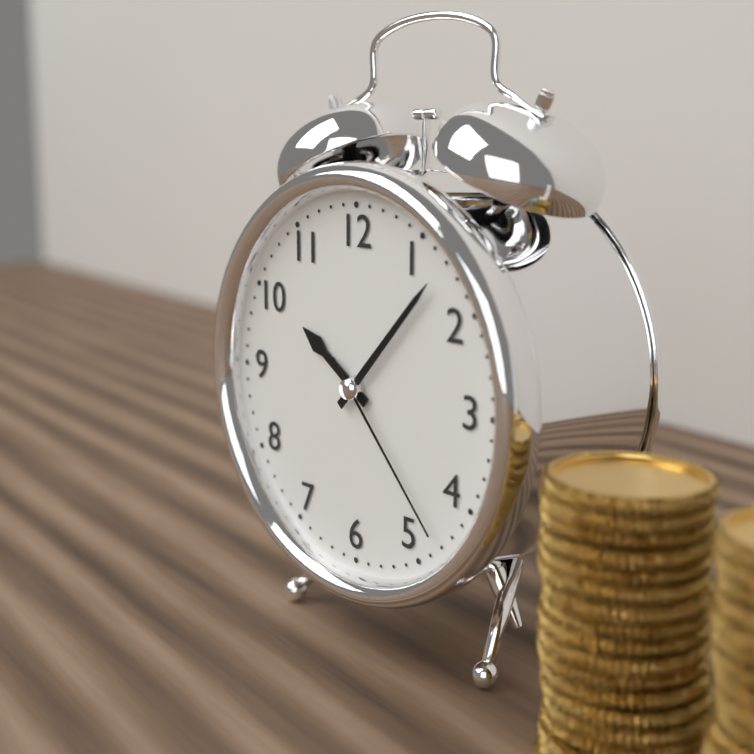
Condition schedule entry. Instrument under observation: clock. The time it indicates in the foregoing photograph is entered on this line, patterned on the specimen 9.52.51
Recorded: 10.07.23
